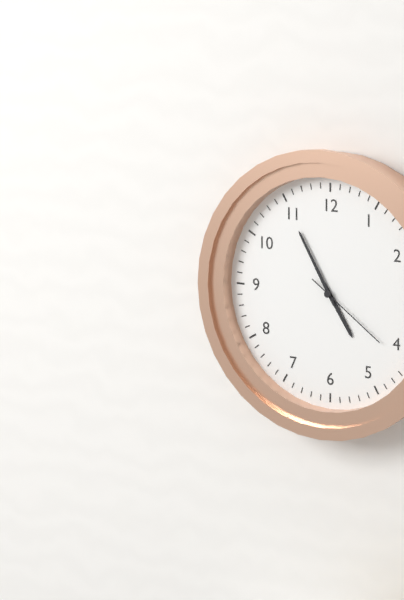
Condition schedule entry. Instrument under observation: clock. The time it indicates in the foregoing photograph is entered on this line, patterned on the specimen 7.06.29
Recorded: 4.55.21
